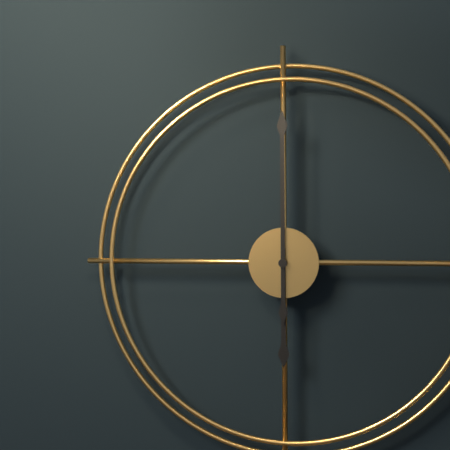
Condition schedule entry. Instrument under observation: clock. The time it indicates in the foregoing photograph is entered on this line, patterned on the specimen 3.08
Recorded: 6.00
